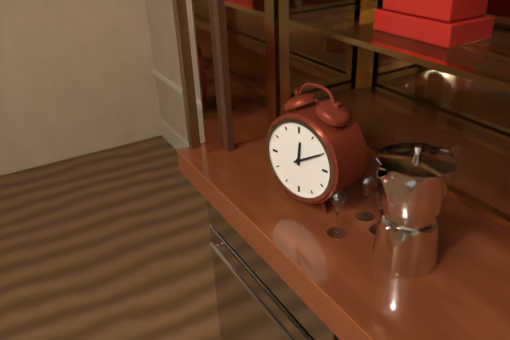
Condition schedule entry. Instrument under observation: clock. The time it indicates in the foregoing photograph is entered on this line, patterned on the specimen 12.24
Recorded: 12.10
